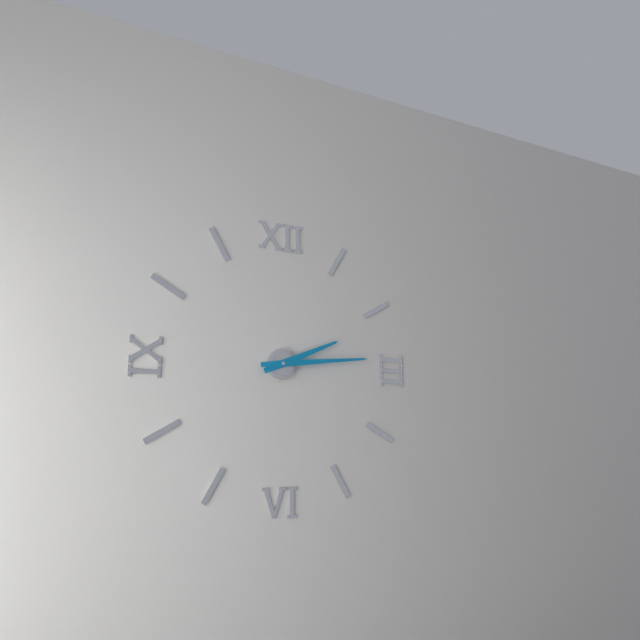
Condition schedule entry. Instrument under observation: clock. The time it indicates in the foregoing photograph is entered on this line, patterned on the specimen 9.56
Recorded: 2.14
